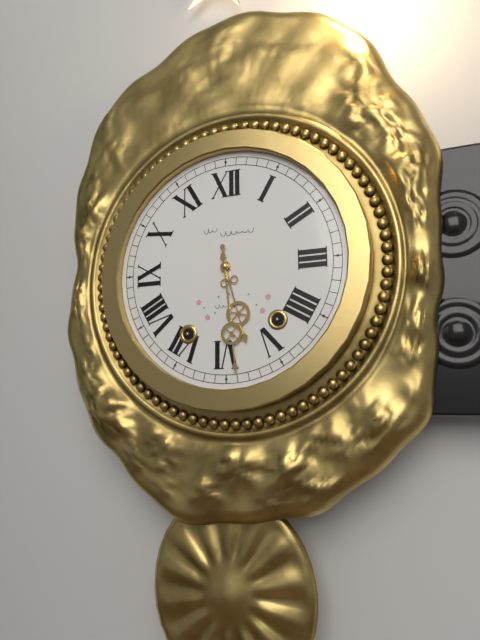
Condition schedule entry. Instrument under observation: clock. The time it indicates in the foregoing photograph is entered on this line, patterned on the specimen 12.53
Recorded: 5.29
